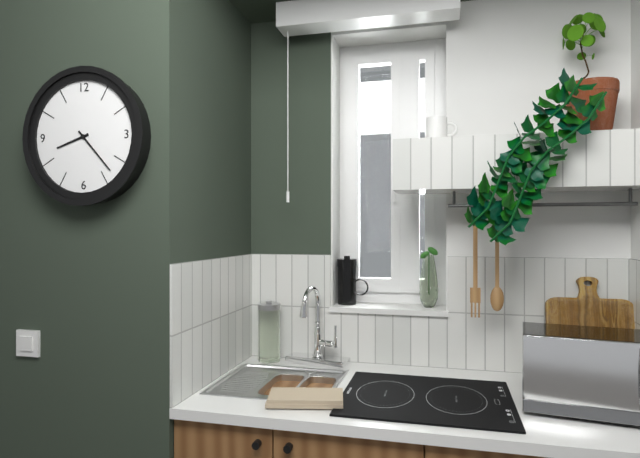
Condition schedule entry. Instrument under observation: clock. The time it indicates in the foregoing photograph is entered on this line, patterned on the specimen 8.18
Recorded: 8.23
